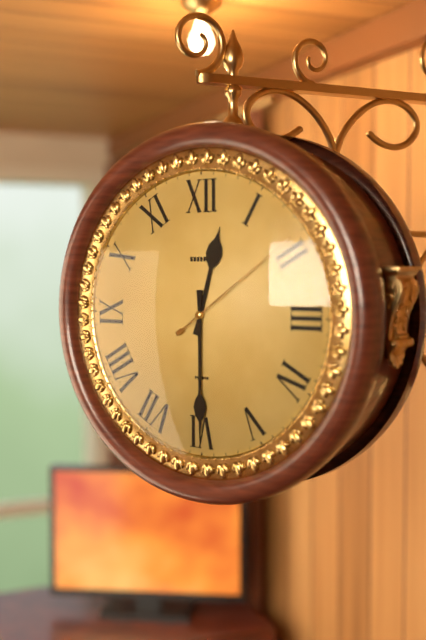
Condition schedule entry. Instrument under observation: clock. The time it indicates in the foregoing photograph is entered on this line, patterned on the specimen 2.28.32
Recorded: 12.30.09
